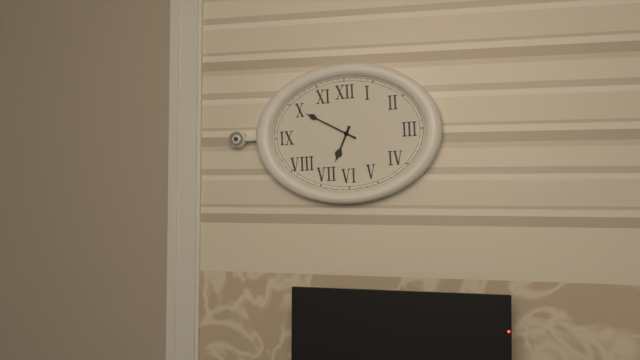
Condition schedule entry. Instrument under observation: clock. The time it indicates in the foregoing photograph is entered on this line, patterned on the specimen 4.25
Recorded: 6.50
